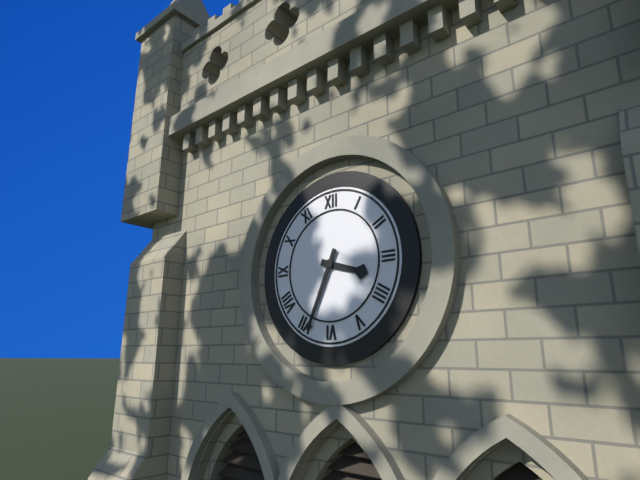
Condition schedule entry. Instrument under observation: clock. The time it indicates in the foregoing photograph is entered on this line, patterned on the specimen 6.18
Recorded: 3.34
